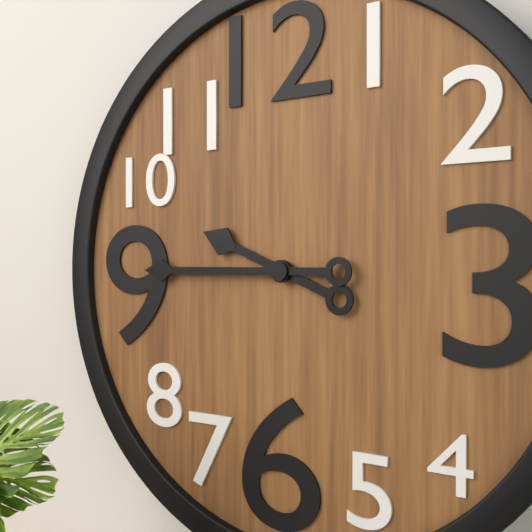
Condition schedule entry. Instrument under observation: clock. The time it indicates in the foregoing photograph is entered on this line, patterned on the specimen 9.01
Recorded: 9.45
